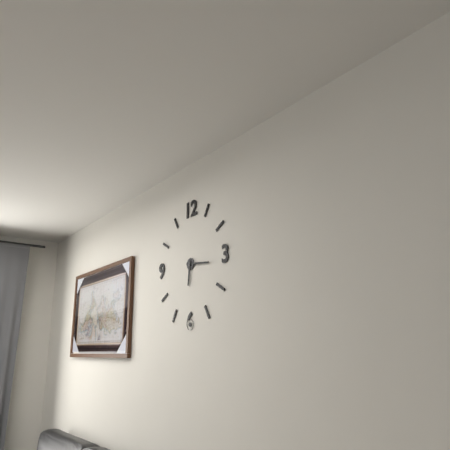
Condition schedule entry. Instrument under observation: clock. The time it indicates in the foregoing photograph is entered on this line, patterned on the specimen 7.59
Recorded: 6.16
